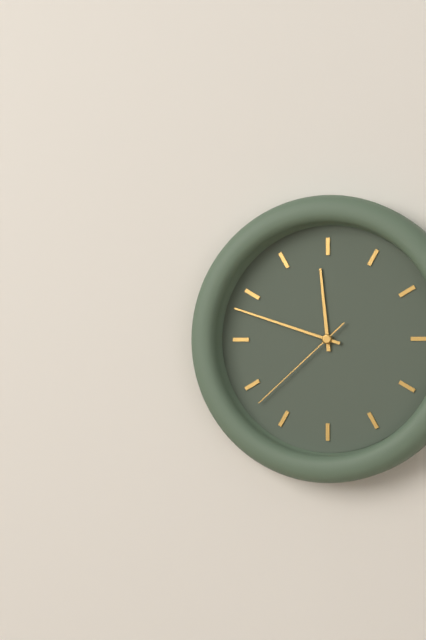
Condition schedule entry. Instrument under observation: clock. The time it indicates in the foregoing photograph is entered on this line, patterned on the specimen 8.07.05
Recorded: 11.48.38
